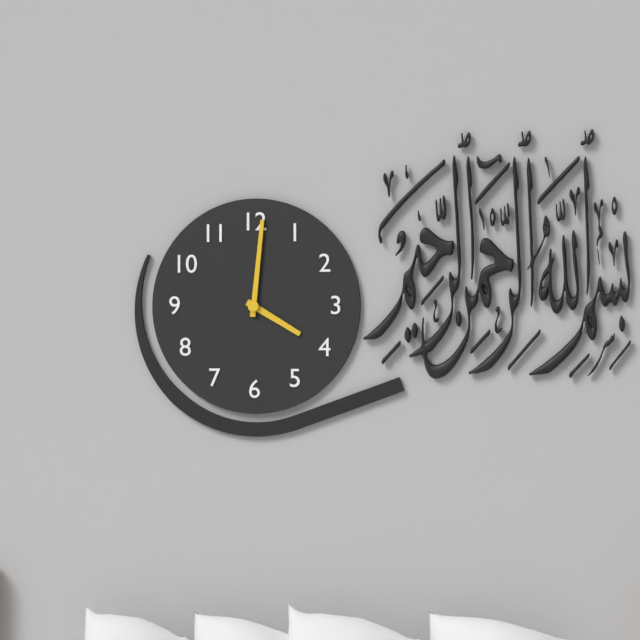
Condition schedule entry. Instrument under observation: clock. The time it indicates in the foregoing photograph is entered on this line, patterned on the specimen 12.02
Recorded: 4.01
